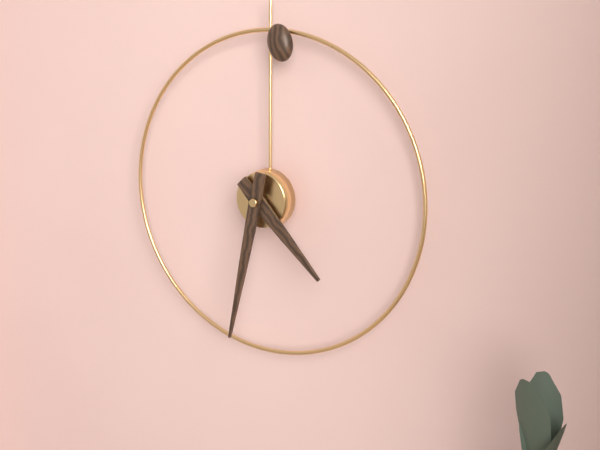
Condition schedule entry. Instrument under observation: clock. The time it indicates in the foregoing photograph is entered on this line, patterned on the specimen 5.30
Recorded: 4.32
